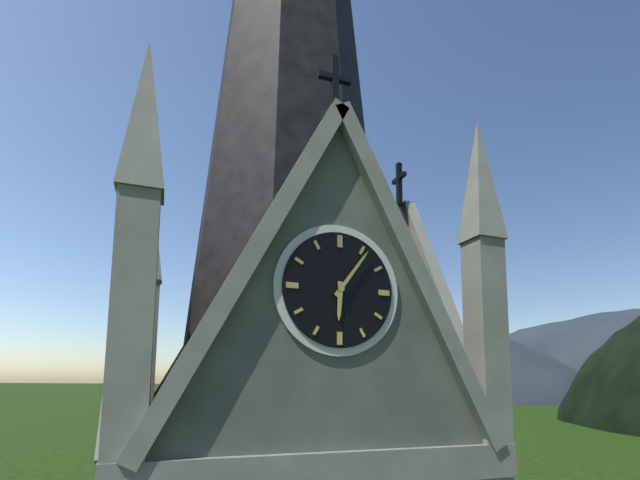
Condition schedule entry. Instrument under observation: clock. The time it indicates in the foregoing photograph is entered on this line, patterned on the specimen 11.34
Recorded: 6.06
